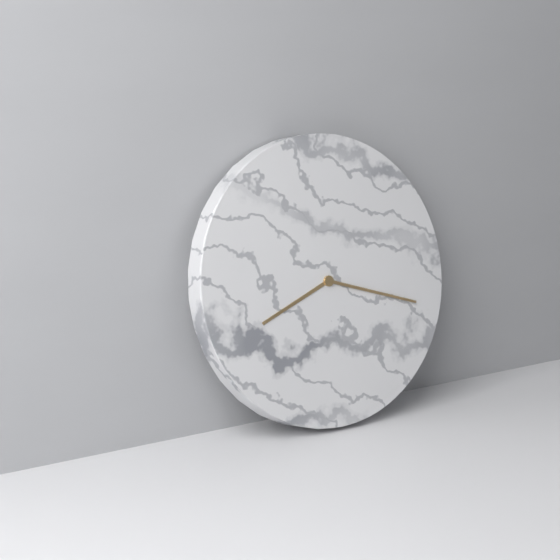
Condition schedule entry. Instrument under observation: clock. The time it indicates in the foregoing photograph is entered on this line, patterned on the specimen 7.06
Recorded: 8.18
